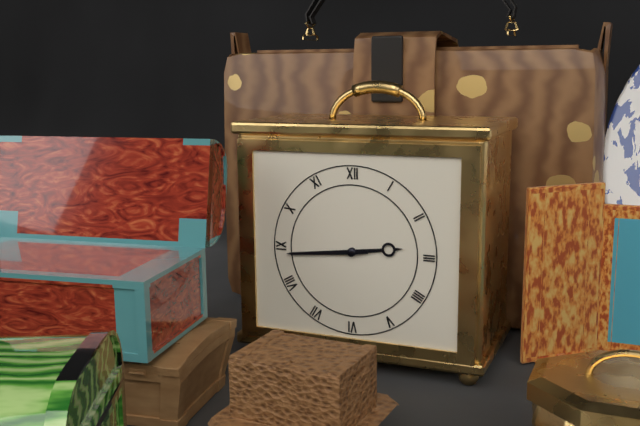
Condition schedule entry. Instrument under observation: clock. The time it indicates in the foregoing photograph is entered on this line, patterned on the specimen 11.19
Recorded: 2.44
